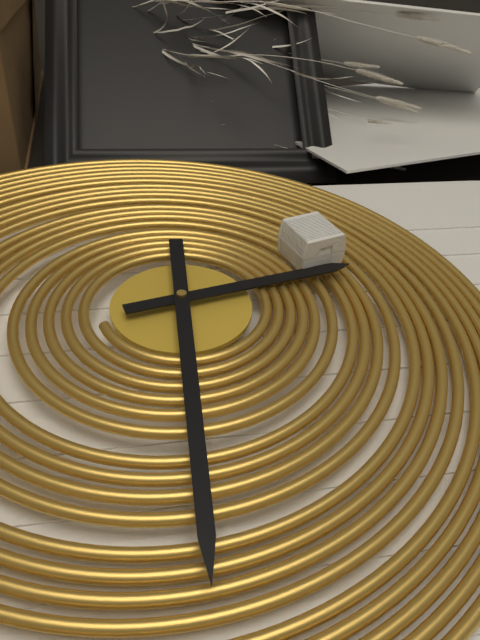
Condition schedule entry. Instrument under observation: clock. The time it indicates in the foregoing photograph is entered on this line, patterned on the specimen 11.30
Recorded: 2.30
